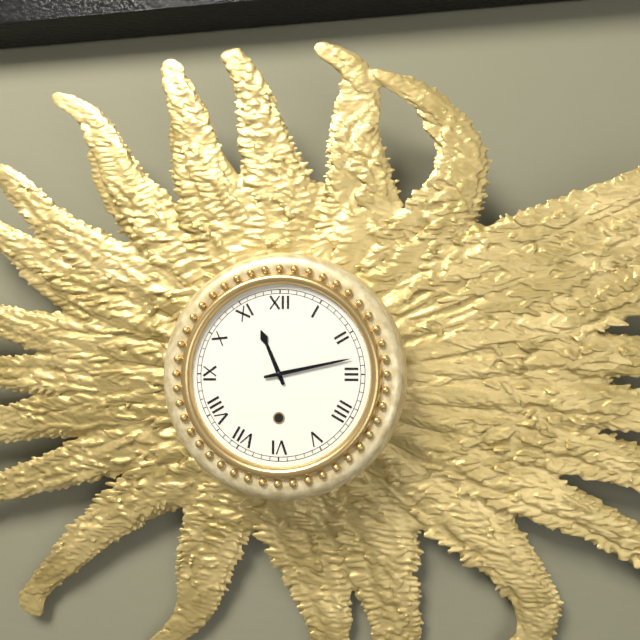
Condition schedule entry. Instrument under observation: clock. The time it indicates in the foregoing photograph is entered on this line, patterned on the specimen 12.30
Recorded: 11.13
